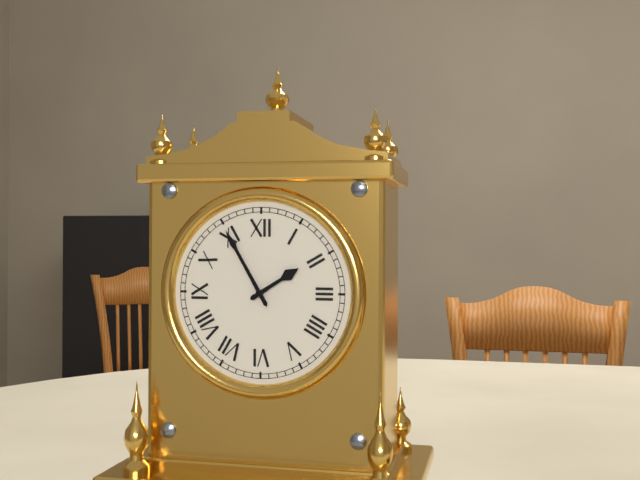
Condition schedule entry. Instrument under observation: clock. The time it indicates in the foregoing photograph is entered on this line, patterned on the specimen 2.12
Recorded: 1.55
